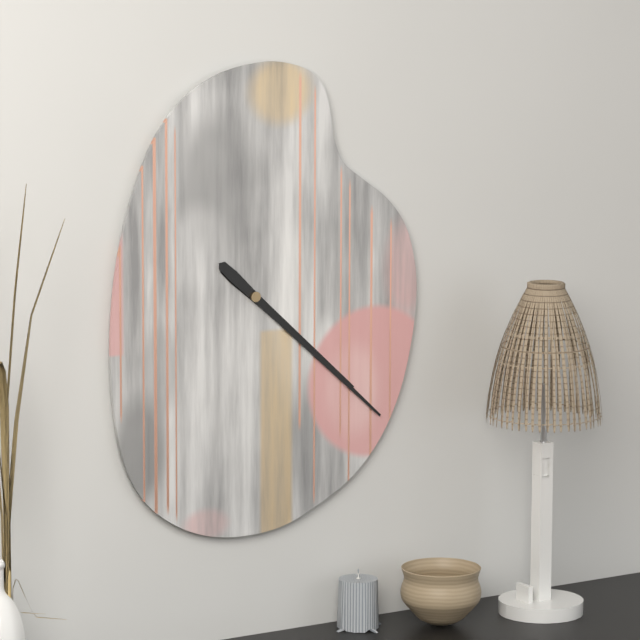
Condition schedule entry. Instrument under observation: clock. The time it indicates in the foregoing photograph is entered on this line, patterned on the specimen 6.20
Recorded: 4.22
